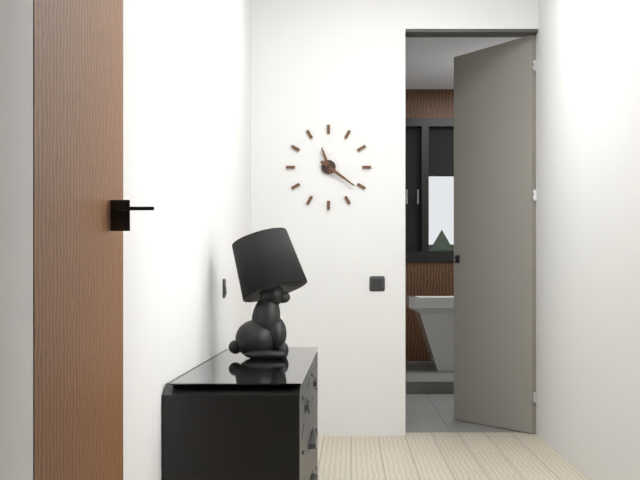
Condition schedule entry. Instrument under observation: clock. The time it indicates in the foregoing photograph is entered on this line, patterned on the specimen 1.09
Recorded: 11.21
